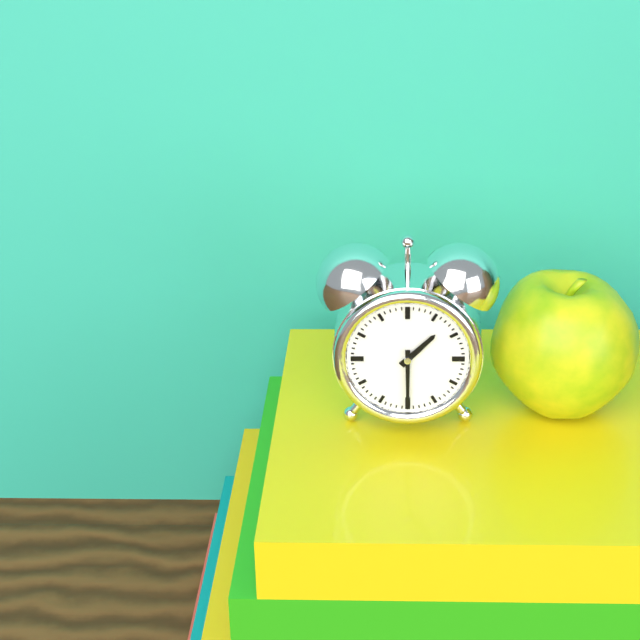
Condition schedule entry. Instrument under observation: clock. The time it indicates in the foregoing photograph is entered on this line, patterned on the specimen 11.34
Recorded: 1.30
